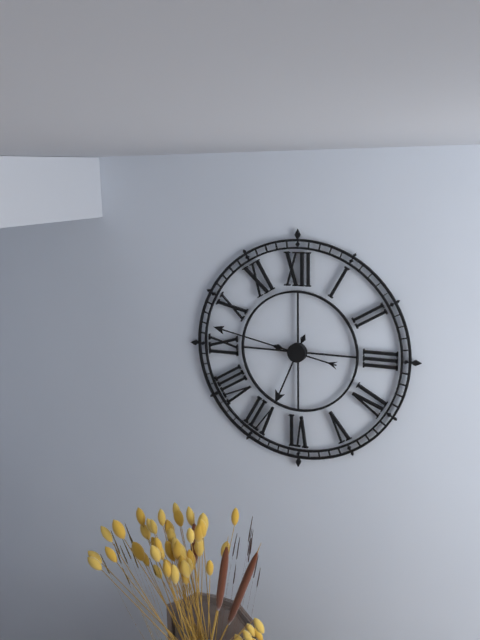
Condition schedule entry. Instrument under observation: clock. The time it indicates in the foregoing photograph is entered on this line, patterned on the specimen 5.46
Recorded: 6.47
